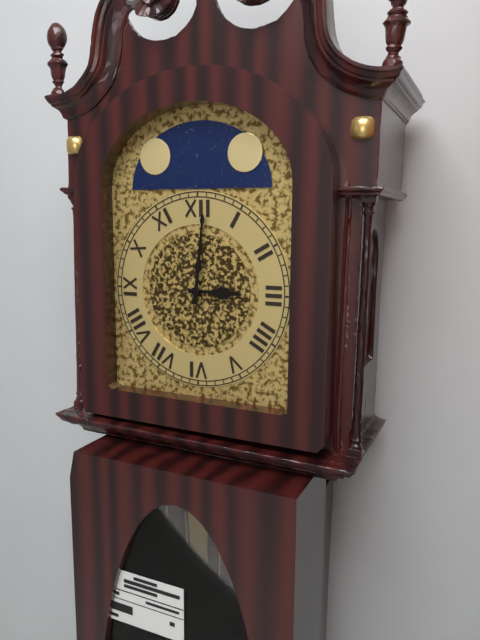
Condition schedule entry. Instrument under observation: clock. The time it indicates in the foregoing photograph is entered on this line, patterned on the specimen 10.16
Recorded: 3.01
